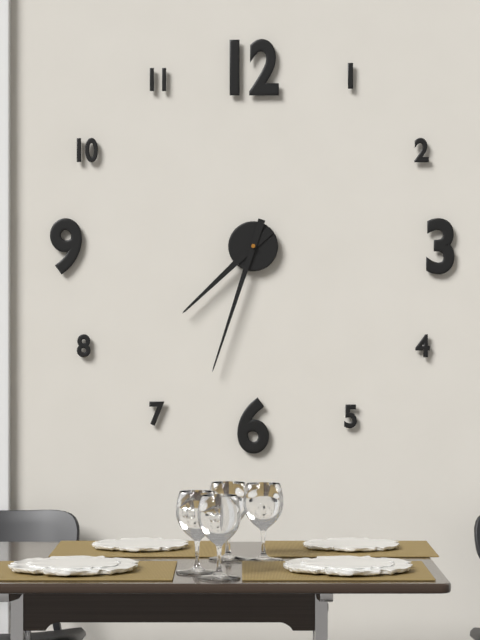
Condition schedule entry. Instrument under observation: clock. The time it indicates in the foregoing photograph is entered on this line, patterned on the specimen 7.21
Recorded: 7.33
